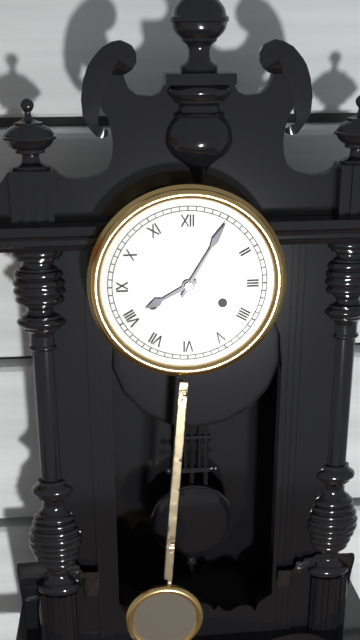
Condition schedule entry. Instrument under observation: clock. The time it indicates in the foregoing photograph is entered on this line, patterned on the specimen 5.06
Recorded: 8.05
